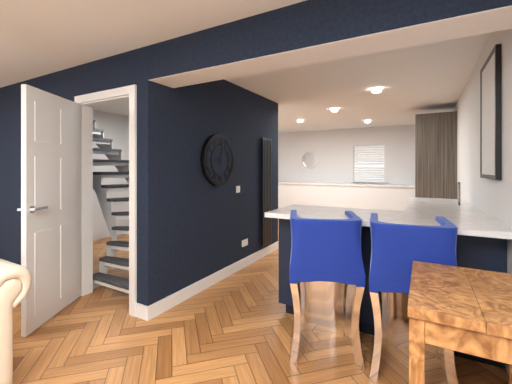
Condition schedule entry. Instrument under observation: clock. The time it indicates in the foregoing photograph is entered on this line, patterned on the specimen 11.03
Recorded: 9.02
